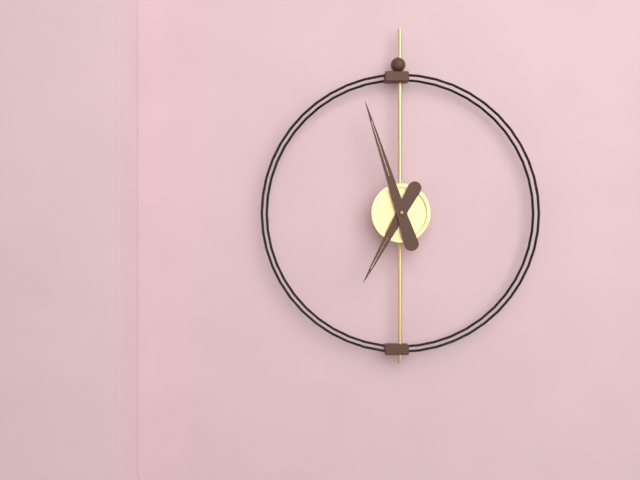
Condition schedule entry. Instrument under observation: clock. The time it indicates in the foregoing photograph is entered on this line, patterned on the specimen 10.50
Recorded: 6.57
